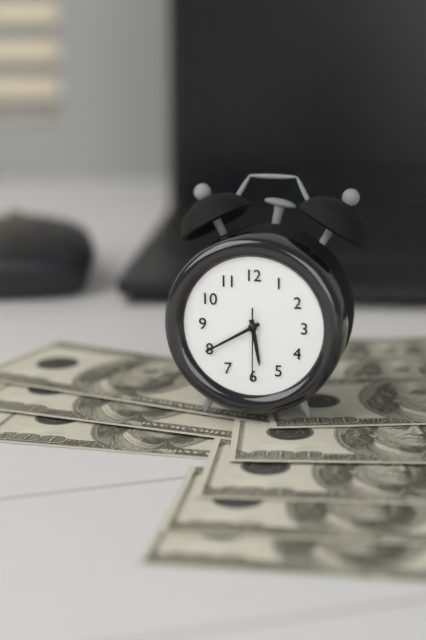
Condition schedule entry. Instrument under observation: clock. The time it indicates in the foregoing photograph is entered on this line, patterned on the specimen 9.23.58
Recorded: 5.40.30
